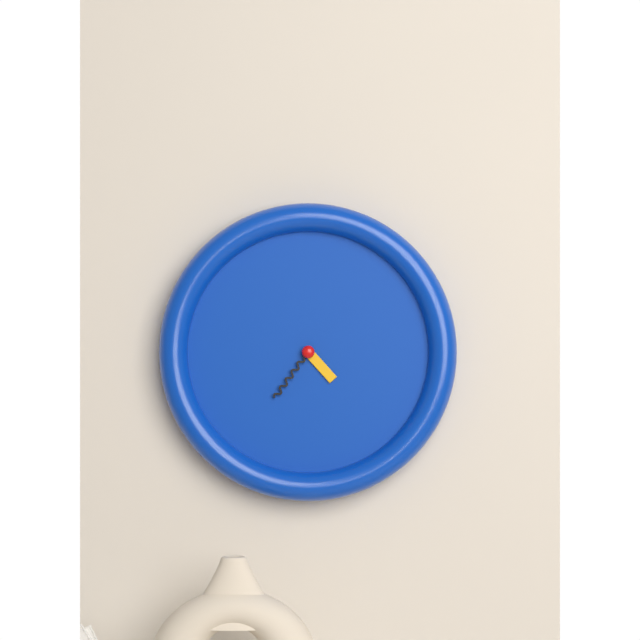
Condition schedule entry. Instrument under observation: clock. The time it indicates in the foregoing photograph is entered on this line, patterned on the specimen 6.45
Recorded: 4.36
